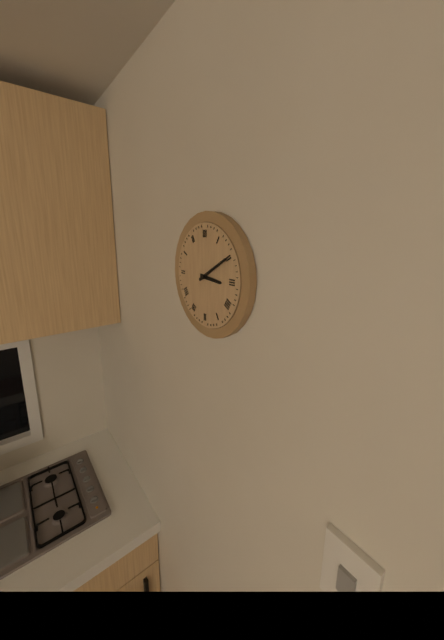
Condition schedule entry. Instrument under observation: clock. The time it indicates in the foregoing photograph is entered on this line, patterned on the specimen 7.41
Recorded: 3.10
